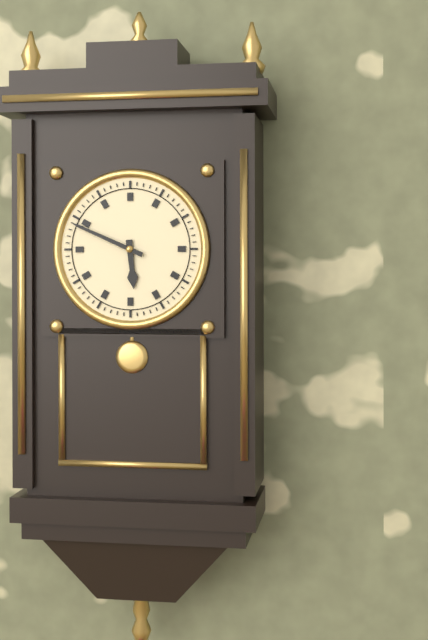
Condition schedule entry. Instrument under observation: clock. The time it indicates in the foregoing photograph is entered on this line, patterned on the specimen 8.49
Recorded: 5.49
